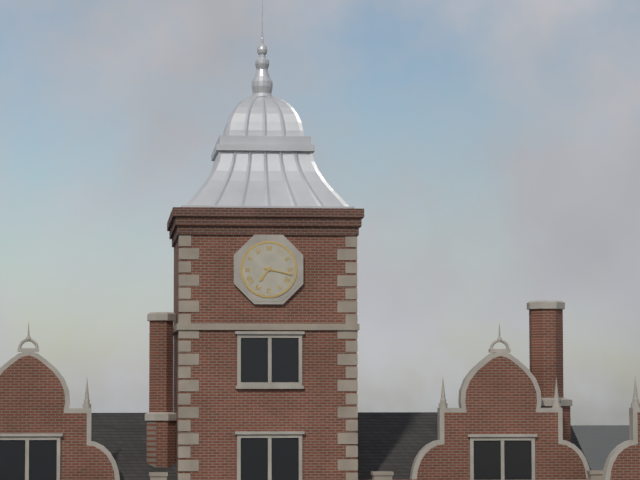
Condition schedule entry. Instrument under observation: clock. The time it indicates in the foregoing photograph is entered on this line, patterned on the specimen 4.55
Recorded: 7.17
